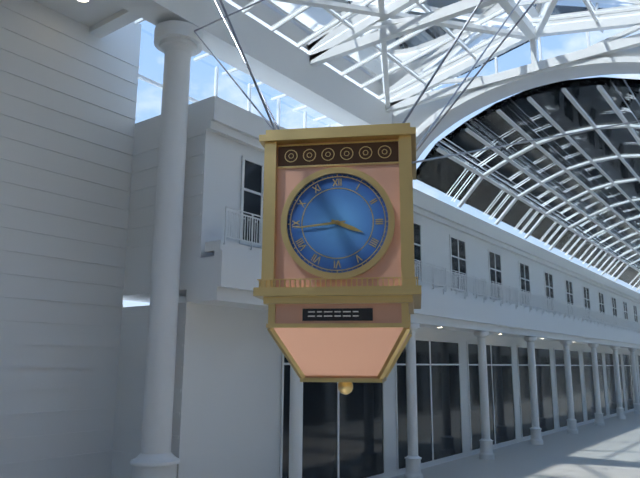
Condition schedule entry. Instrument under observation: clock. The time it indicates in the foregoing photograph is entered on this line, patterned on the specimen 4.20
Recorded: 3.44
